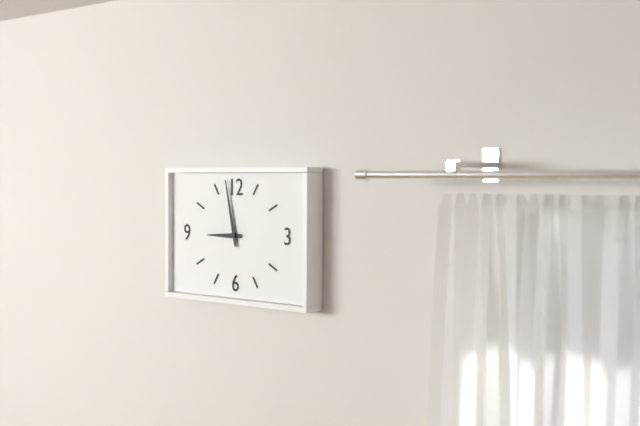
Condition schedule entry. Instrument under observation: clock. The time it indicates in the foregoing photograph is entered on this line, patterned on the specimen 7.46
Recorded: 8.58
